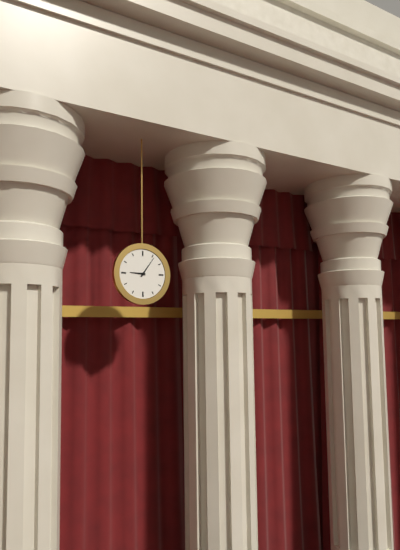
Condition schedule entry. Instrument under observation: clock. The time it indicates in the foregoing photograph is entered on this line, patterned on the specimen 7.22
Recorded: 9.06
